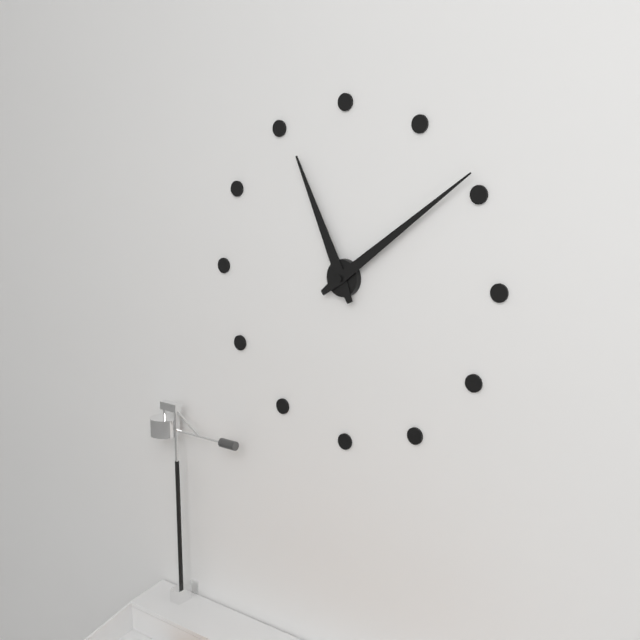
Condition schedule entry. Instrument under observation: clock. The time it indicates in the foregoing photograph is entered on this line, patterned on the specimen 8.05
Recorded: 11.09
